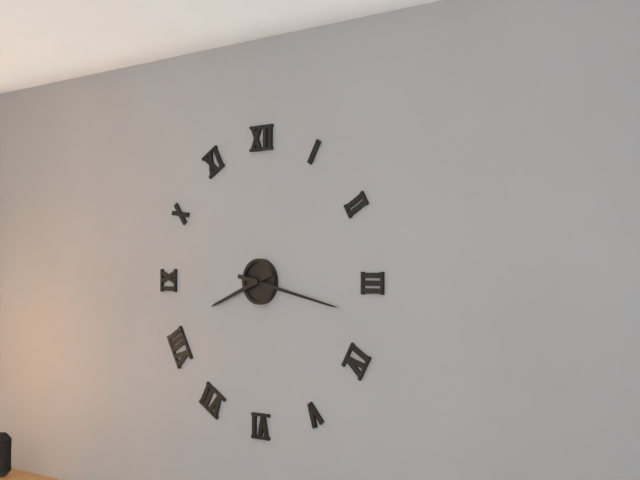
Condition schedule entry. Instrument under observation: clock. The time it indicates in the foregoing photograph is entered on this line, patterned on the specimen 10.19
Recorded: 8.17
